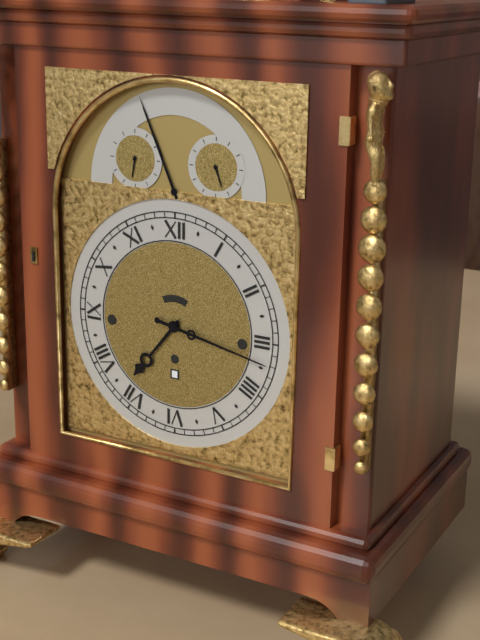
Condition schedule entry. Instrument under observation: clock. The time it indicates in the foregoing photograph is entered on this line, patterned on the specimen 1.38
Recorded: 7.17
